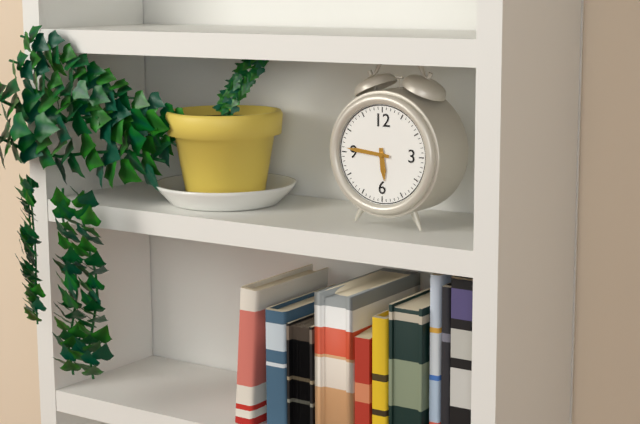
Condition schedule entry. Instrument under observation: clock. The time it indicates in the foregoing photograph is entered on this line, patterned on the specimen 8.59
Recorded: 5.46
